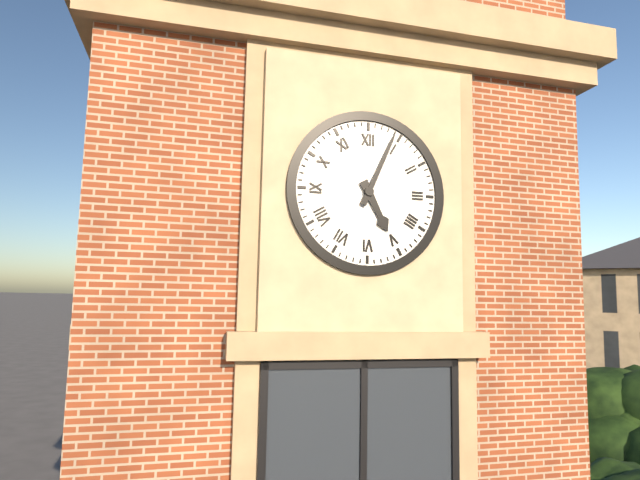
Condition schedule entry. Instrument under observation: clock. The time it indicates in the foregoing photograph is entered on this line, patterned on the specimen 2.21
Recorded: 5.04
